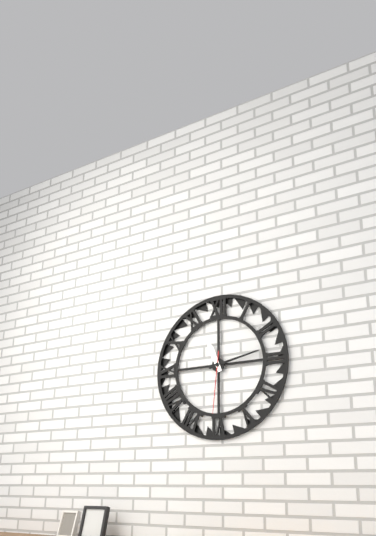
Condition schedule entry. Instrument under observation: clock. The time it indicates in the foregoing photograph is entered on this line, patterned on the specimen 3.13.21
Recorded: 11.13.31
